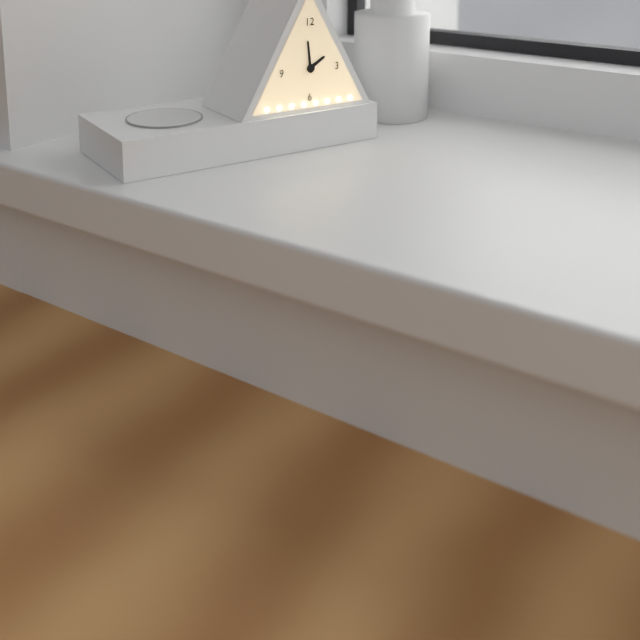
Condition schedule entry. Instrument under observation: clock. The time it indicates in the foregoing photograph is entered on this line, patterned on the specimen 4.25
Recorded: 1.59
